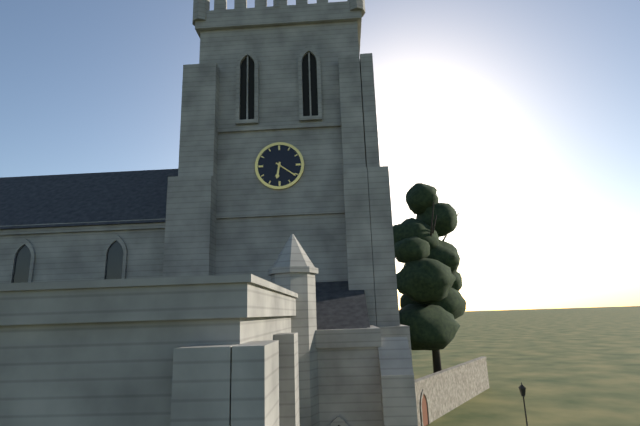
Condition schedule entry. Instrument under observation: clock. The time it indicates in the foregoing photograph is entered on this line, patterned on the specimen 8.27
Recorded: 6.21
